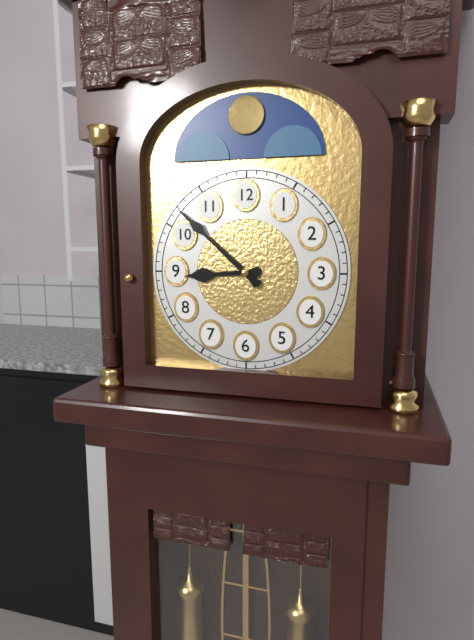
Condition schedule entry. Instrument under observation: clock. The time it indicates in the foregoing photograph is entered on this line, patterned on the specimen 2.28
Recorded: 8.52
